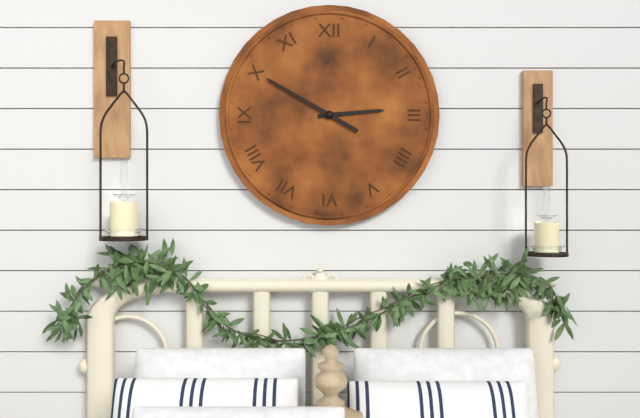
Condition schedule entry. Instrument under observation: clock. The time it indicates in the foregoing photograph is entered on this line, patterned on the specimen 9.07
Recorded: 2.50
